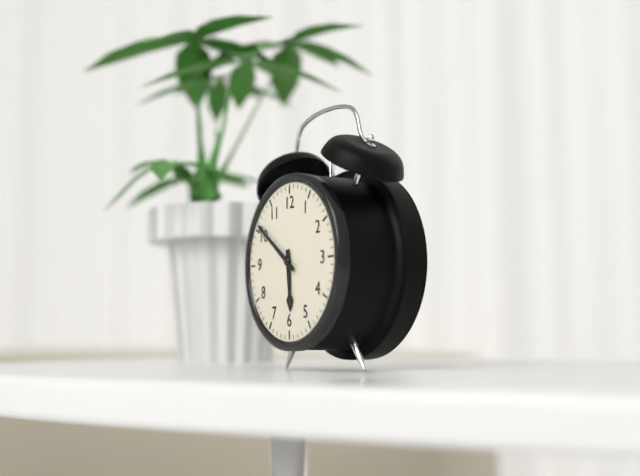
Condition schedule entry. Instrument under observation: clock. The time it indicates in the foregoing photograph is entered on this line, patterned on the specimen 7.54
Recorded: 5.51
